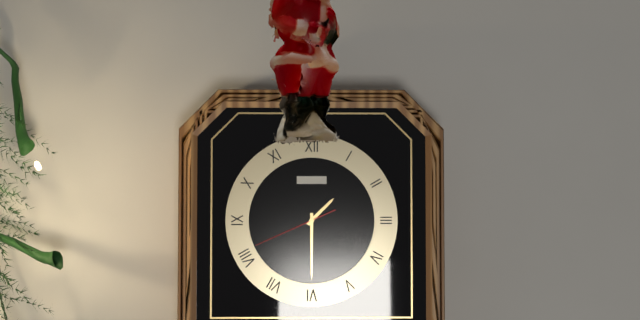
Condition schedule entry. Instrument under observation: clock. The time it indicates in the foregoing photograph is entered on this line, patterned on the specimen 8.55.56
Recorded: 1.30.41
